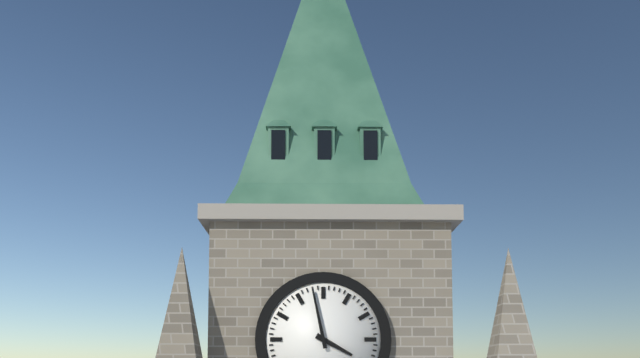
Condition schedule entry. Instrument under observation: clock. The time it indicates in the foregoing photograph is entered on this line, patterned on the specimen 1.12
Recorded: 3.58
